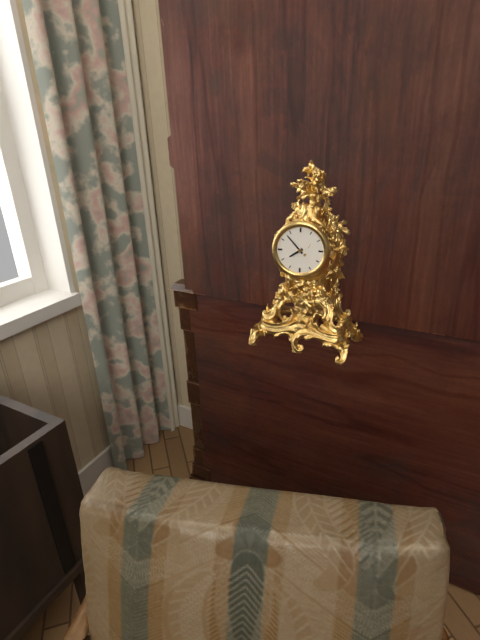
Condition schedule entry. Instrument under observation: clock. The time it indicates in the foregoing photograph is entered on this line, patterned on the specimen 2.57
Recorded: 7.53
